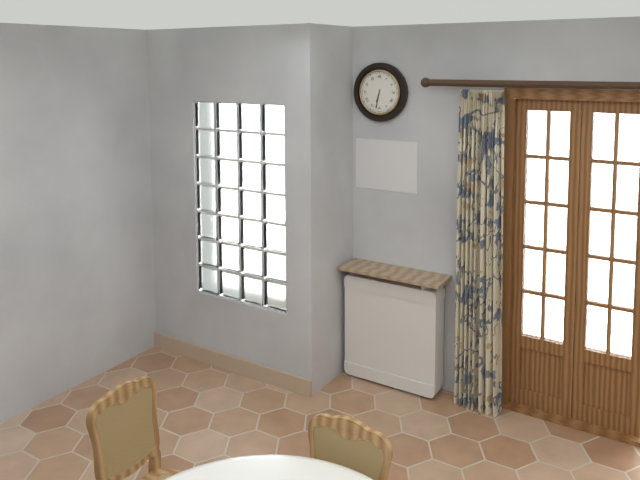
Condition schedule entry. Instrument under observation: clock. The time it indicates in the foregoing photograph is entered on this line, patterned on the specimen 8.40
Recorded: 6.32
